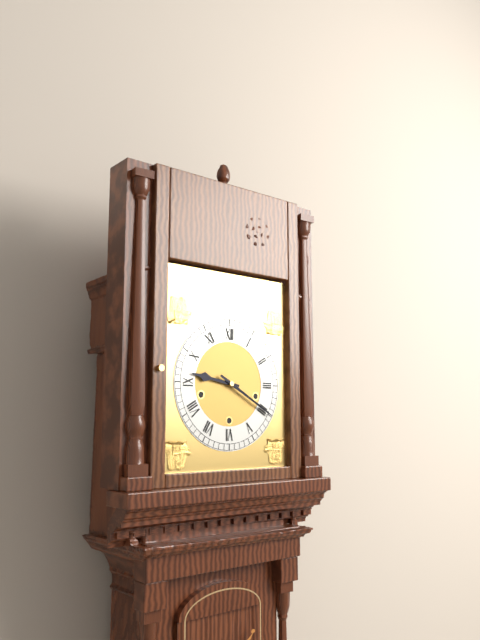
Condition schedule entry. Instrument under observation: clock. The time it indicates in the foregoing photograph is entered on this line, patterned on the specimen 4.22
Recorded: 9.20
